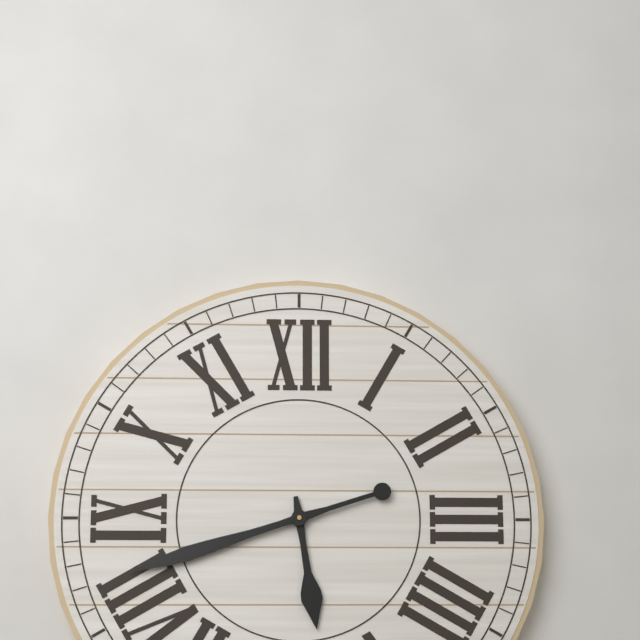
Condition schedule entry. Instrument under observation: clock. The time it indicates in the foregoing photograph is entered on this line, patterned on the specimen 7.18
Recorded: 5.42
